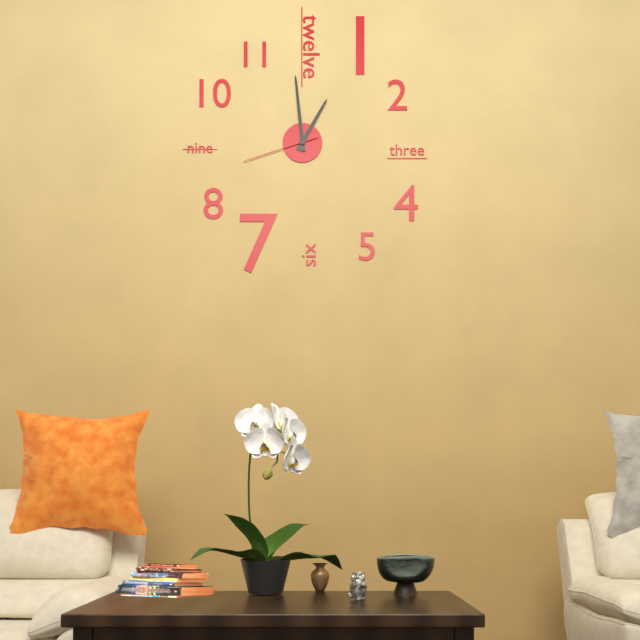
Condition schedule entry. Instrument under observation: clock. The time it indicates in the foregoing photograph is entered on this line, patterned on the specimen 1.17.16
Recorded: 12.59.42
